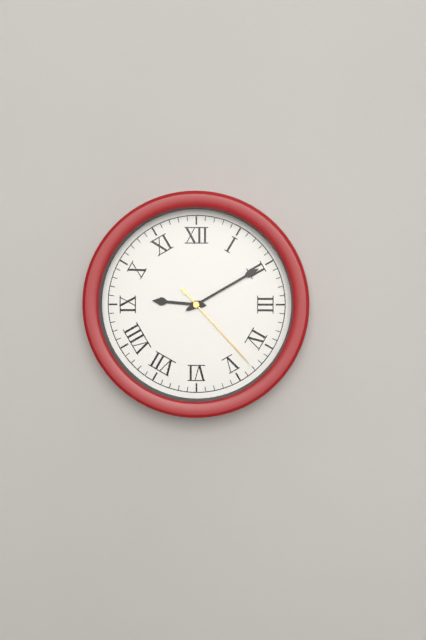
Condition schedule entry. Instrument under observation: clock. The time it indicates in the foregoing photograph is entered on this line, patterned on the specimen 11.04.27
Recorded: 9.10.23
